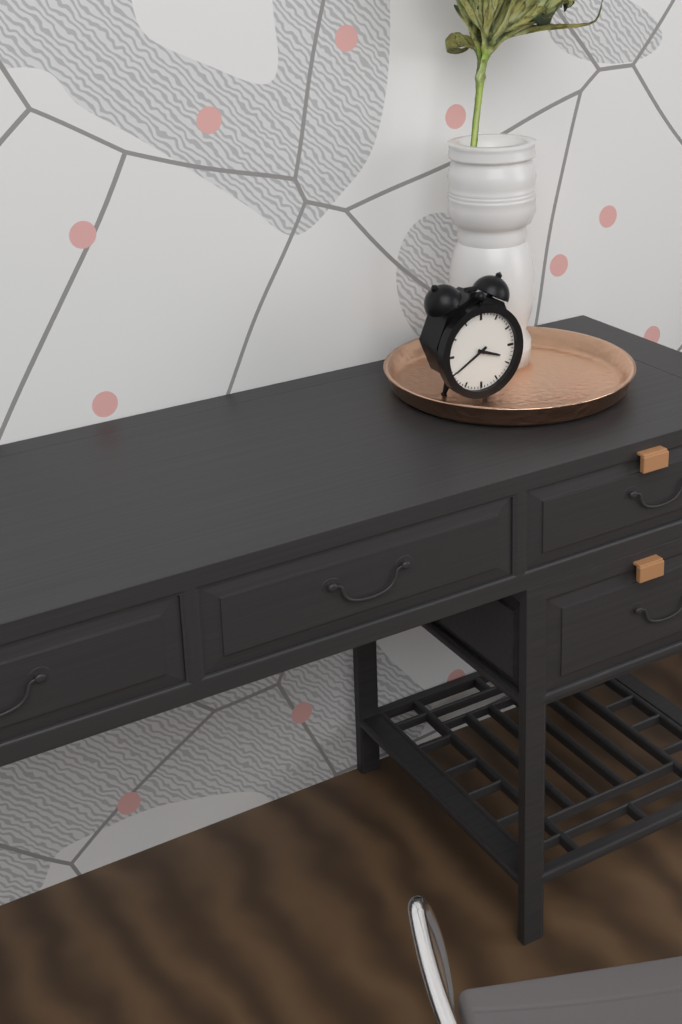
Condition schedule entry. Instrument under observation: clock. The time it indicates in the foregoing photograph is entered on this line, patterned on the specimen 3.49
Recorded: 3.40
